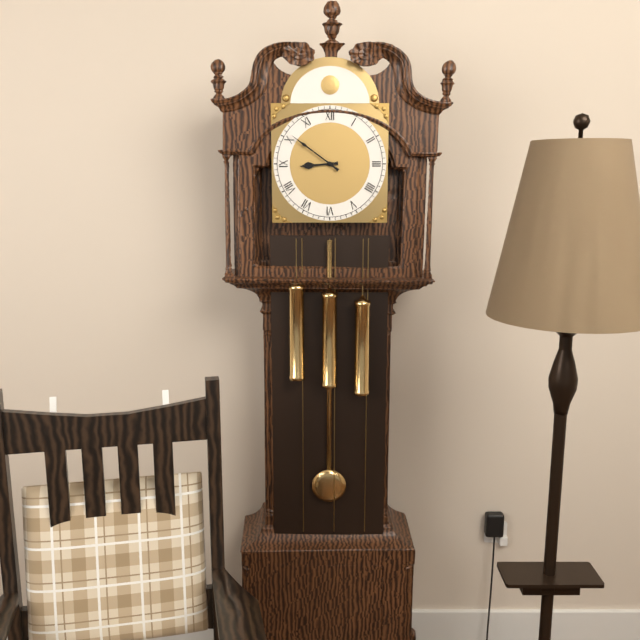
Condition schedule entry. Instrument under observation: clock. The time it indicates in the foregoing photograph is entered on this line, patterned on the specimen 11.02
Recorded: 8.51
